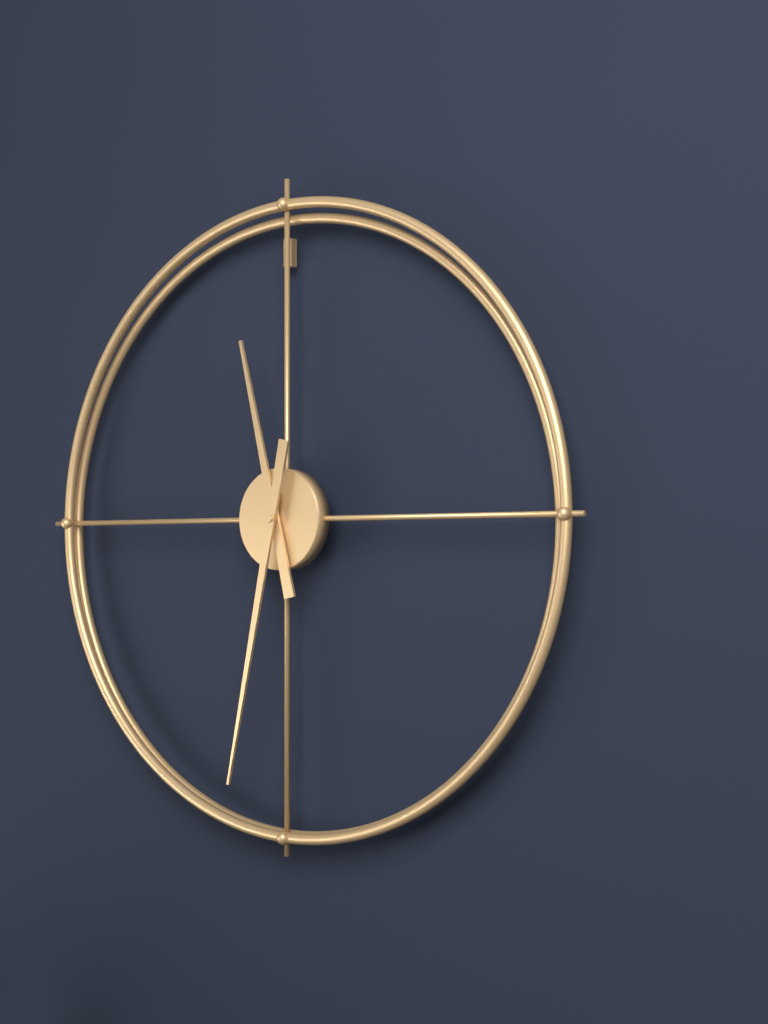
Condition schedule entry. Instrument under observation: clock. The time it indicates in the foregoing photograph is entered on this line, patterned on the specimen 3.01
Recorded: 11.32
